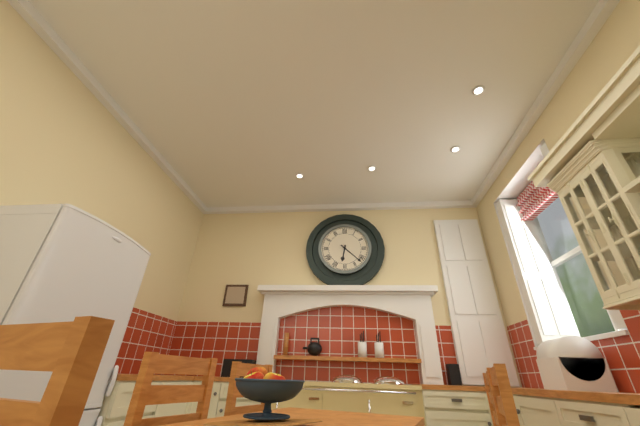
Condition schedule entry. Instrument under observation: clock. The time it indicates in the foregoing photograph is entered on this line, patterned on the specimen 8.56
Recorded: 6.22
